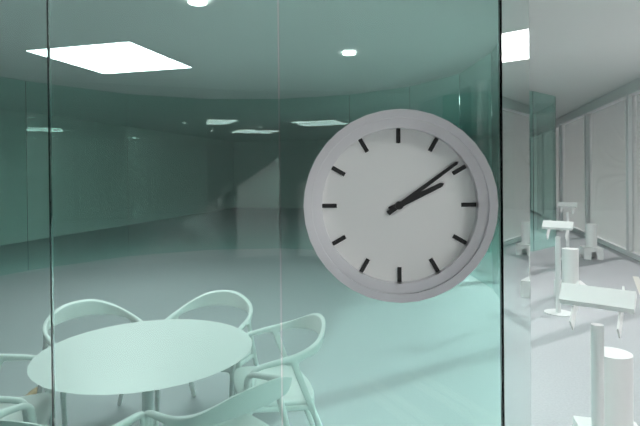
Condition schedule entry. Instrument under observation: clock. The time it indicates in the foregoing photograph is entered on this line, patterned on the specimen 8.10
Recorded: 2.09
